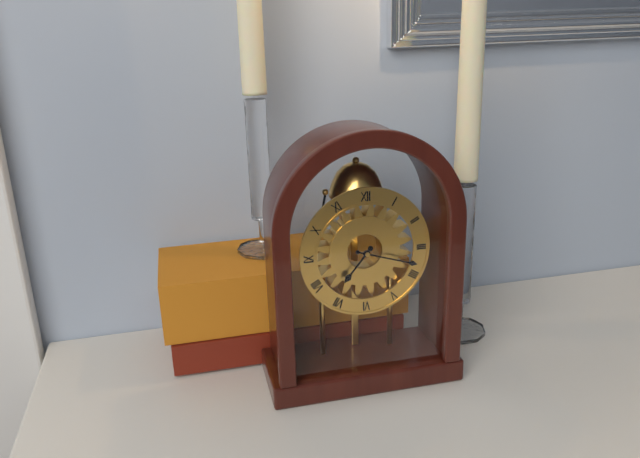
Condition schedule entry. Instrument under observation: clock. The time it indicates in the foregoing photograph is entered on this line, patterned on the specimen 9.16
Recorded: 7.18
